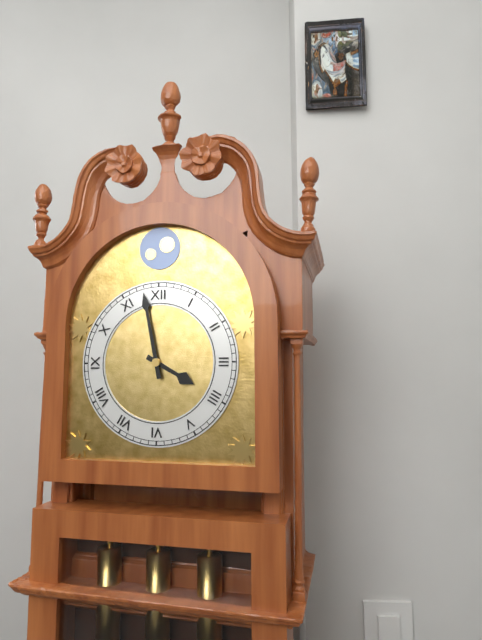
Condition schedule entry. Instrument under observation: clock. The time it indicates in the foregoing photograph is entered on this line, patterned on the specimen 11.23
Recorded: 3.58
